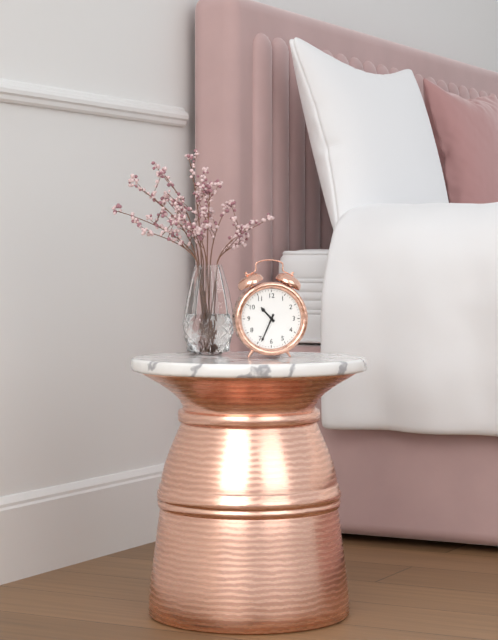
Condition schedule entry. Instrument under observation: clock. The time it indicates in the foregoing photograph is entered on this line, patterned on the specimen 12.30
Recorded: 10.34
